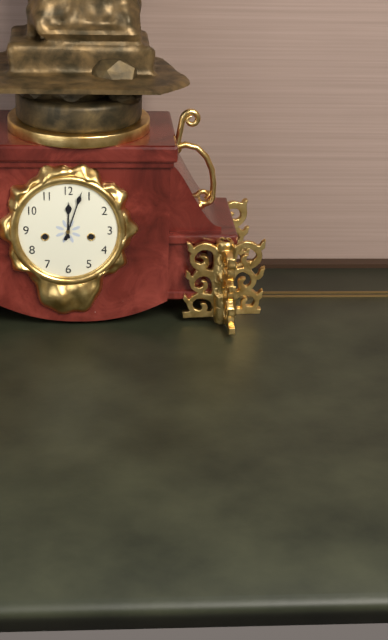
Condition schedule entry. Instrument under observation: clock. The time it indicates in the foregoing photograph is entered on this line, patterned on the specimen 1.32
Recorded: 12.03
